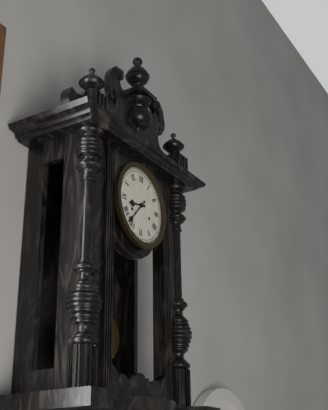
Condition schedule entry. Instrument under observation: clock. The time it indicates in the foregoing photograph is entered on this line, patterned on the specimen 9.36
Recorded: 8.37
